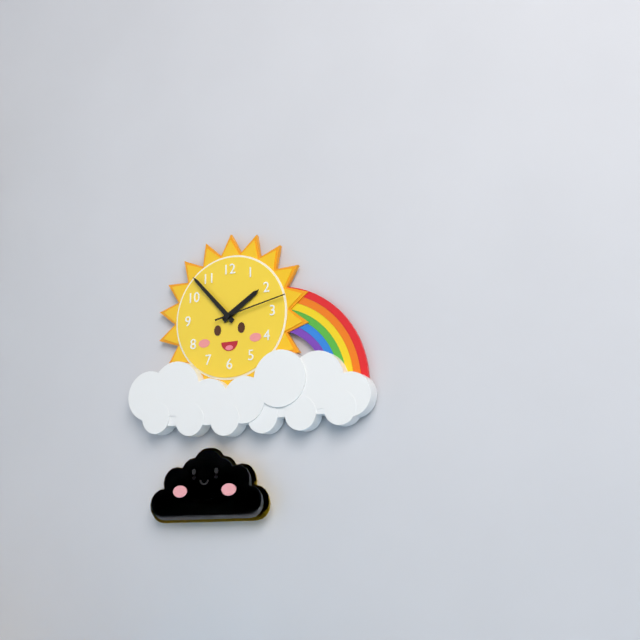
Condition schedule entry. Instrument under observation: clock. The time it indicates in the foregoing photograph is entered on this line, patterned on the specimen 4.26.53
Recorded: 1.53.13
